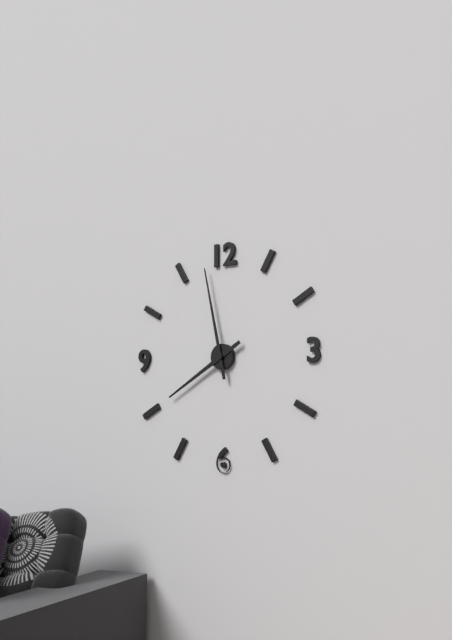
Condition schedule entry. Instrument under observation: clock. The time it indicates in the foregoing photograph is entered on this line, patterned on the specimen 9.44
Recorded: 7.58
